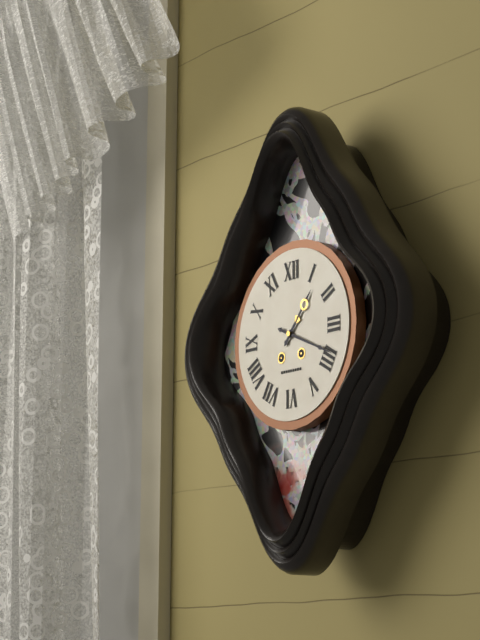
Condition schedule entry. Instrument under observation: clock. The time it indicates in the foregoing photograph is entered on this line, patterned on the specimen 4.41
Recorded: 1.19
